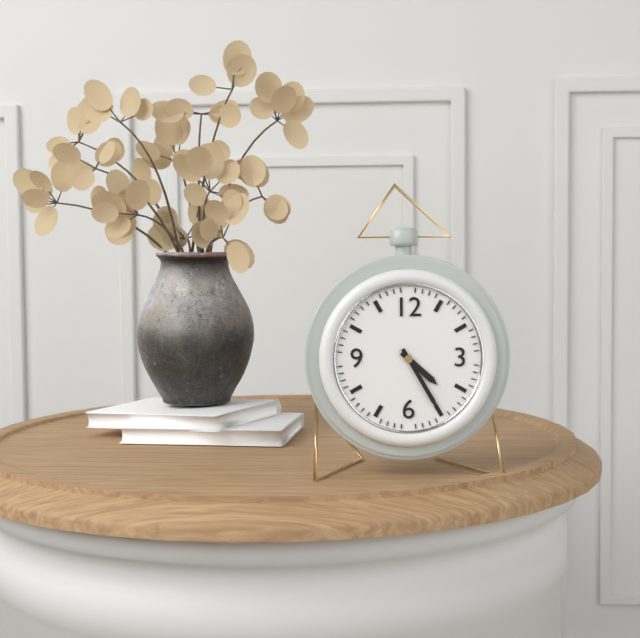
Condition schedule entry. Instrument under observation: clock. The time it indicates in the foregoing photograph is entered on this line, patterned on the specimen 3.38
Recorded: 4.25
